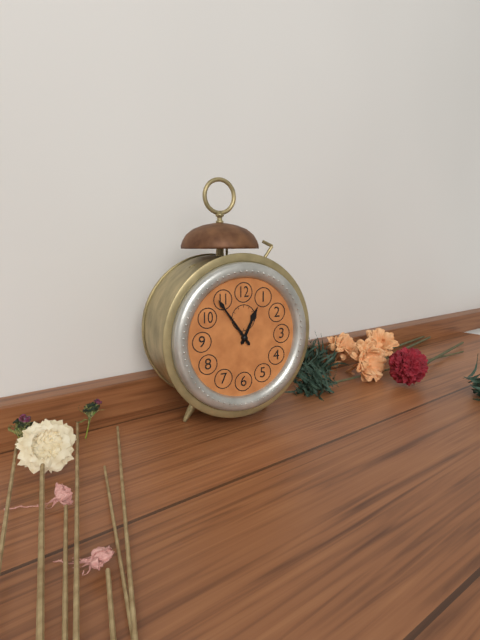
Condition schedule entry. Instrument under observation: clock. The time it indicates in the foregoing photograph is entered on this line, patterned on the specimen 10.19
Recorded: 12.54
